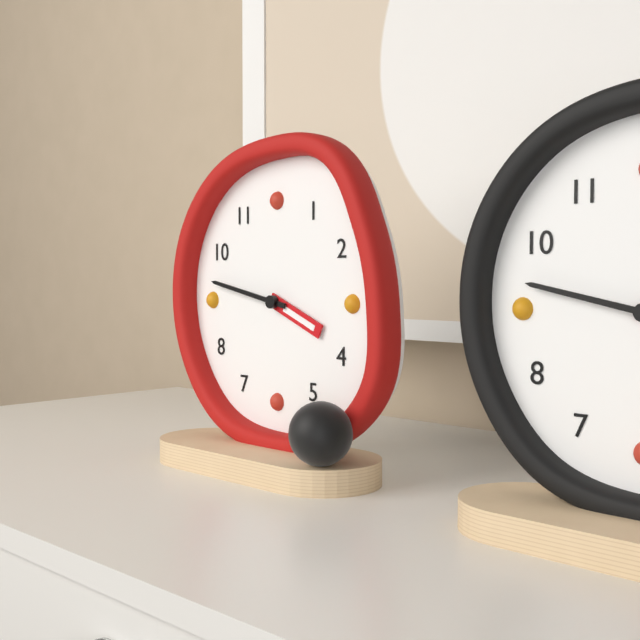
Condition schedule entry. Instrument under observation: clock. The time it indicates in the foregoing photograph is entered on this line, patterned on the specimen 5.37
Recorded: 3.47
